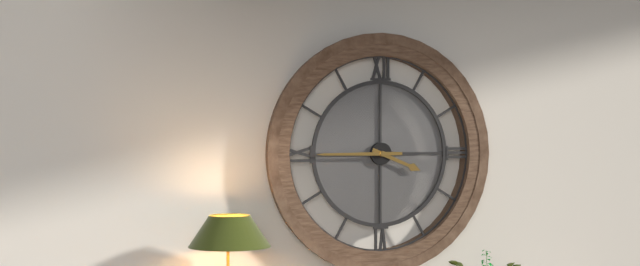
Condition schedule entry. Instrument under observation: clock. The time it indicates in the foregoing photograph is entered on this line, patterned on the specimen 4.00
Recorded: 3.45
